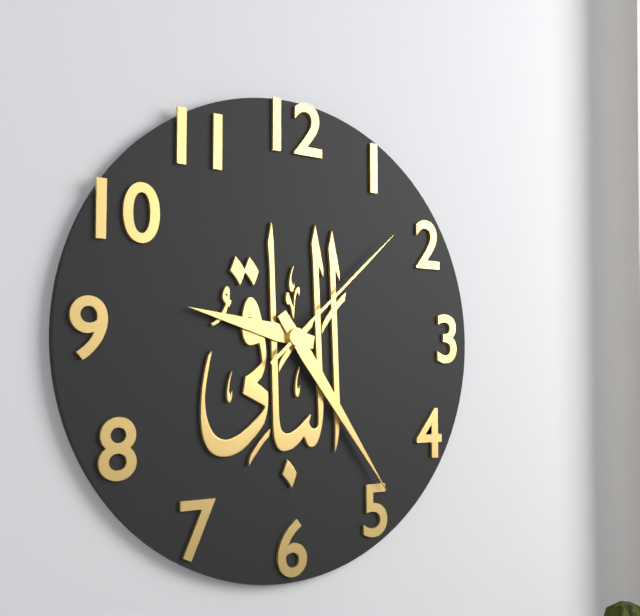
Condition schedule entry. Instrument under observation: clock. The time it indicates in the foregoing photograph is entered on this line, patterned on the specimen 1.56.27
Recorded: 9.24.08
